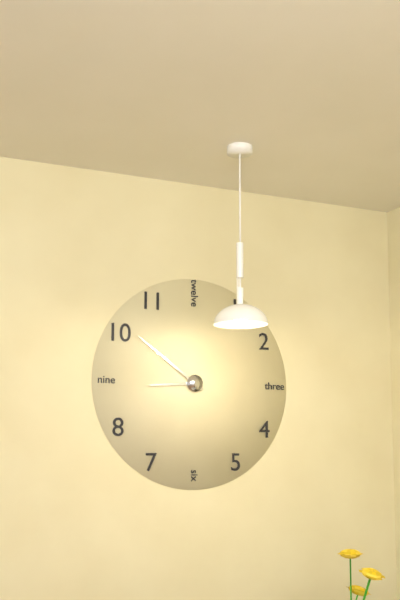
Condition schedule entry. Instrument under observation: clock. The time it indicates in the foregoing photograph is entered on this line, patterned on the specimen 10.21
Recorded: 8.51
